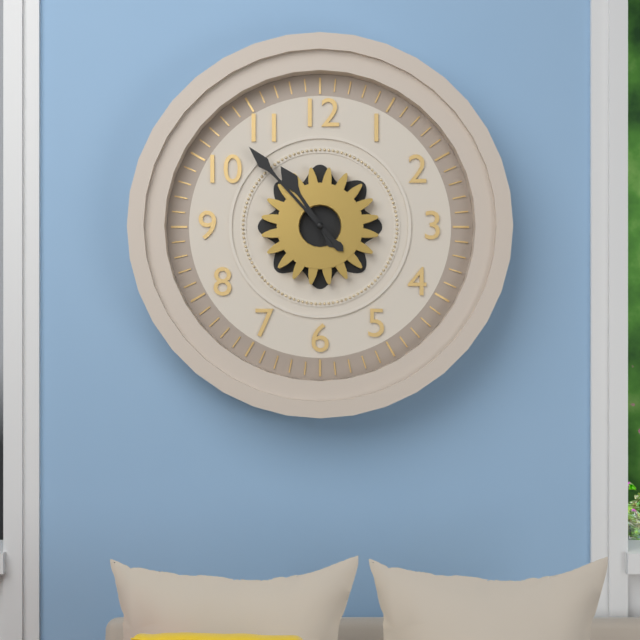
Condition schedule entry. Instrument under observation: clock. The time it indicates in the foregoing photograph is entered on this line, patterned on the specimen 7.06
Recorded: 10.53
